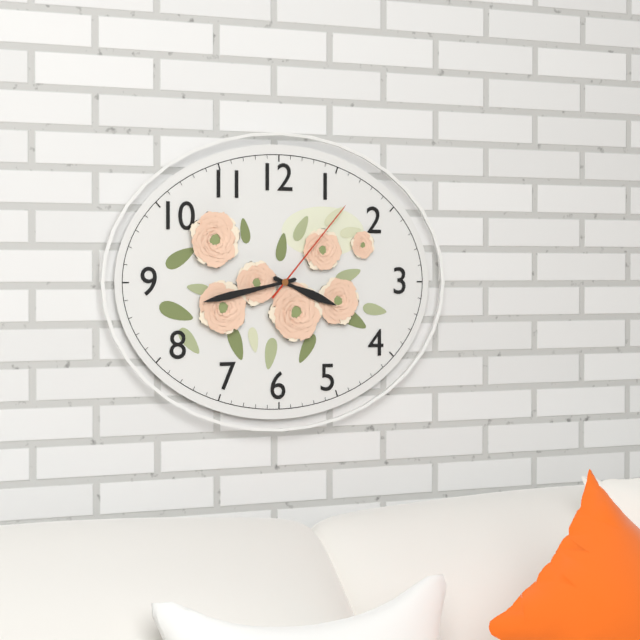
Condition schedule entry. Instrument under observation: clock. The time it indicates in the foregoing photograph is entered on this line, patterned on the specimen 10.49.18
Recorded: 3.43.07
